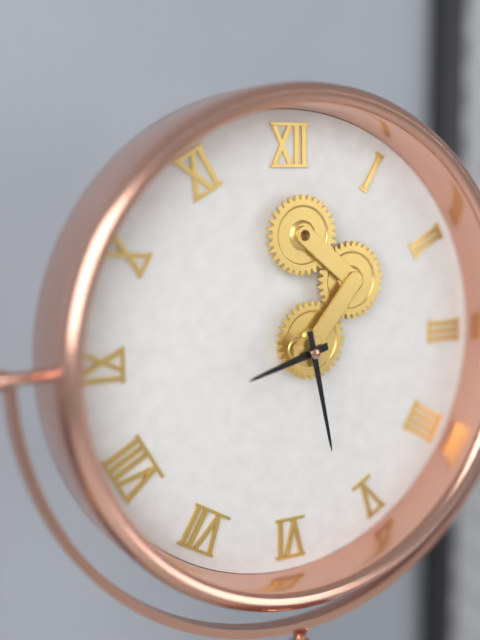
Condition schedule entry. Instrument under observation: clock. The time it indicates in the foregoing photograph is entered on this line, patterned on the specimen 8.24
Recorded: 8.28
